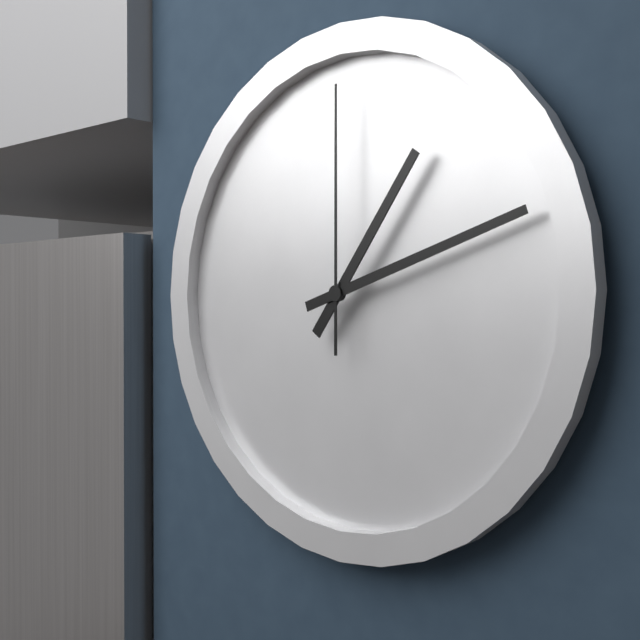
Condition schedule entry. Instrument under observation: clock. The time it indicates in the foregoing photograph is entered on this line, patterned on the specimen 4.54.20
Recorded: 1.12.00
